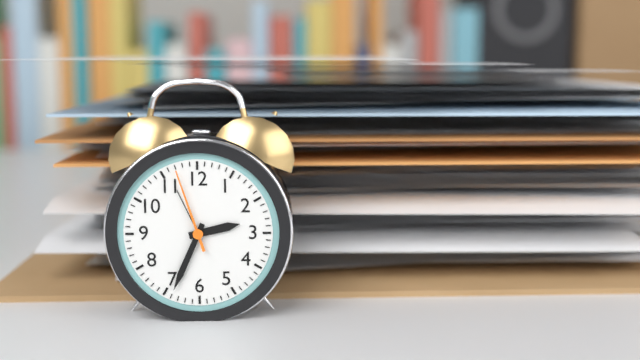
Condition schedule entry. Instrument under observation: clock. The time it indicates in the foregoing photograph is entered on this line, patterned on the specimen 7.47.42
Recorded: 2.34.57
